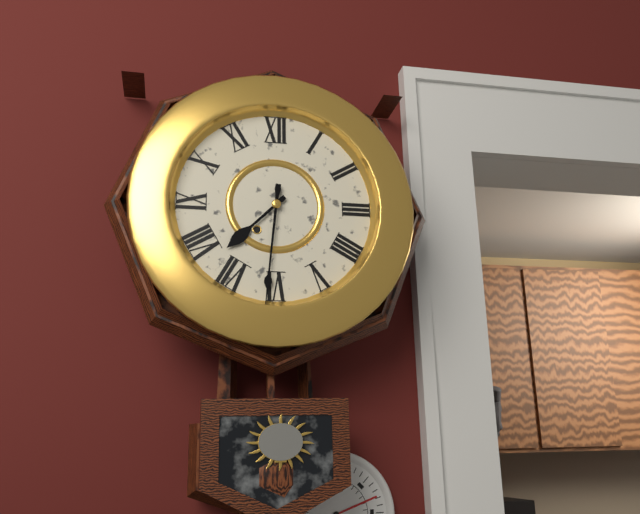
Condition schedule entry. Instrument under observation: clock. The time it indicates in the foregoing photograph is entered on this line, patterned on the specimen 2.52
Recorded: 7.31
